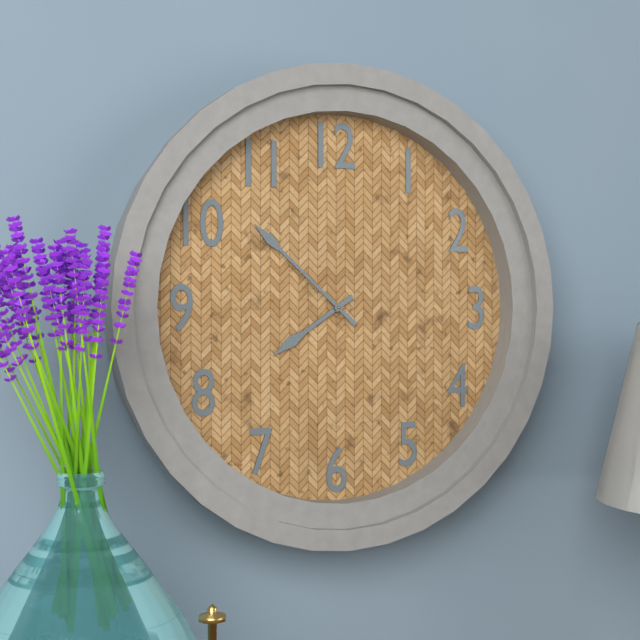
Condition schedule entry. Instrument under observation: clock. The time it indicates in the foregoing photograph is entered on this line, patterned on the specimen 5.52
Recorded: 7.52
